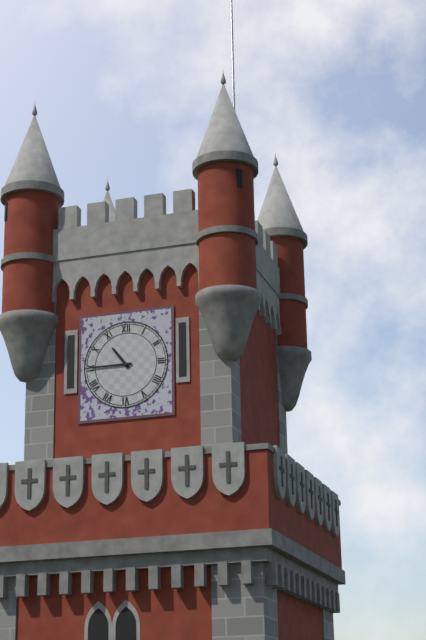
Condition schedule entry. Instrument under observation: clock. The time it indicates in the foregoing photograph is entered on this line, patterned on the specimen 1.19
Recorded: 10.45
